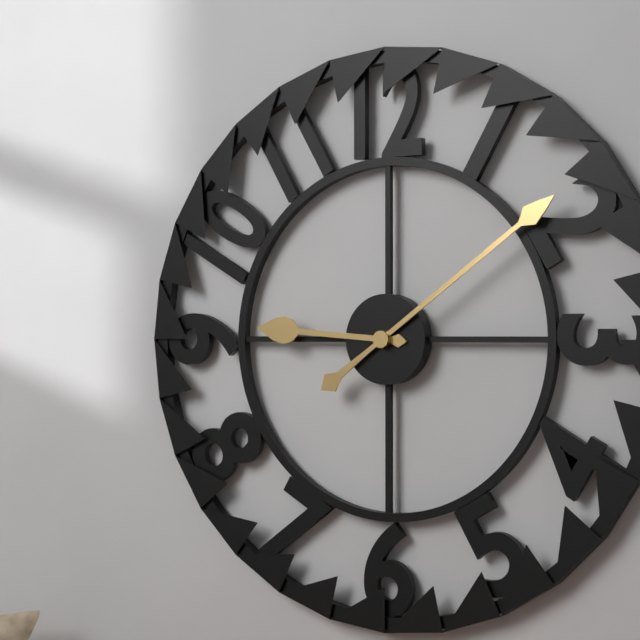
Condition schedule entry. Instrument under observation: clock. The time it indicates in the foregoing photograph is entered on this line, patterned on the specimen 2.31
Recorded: 9.09
